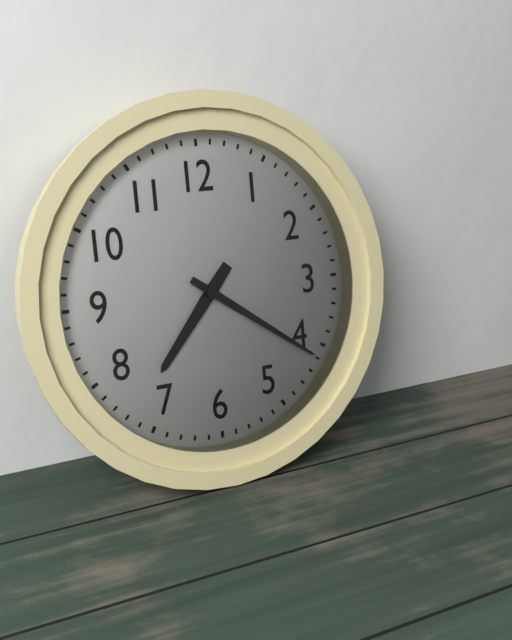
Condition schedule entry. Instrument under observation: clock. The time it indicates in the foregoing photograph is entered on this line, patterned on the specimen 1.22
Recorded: 7.21
